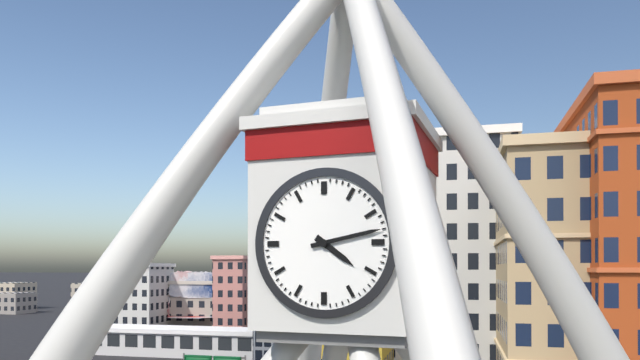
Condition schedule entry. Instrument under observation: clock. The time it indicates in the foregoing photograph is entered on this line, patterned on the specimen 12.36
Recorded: 4.13
